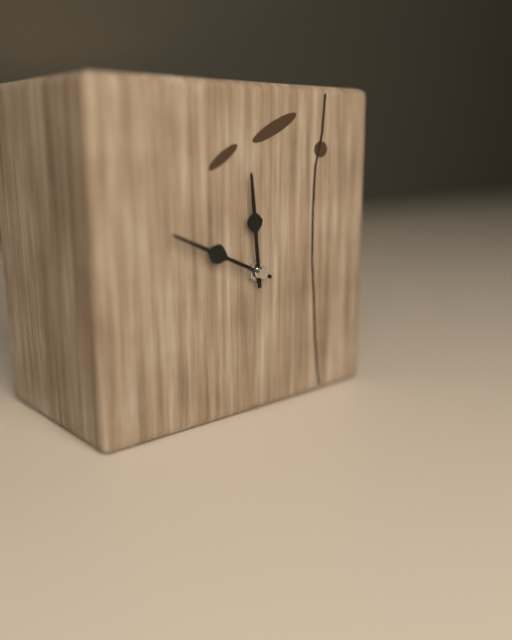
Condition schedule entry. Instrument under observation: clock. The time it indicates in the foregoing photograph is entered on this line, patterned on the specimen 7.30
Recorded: 11.49
